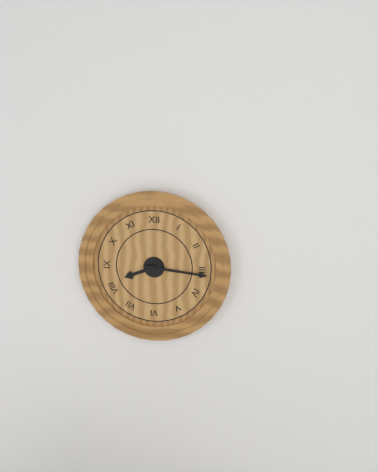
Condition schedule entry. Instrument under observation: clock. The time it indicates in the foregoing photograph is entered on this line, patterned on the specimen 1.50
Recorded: 8.16
